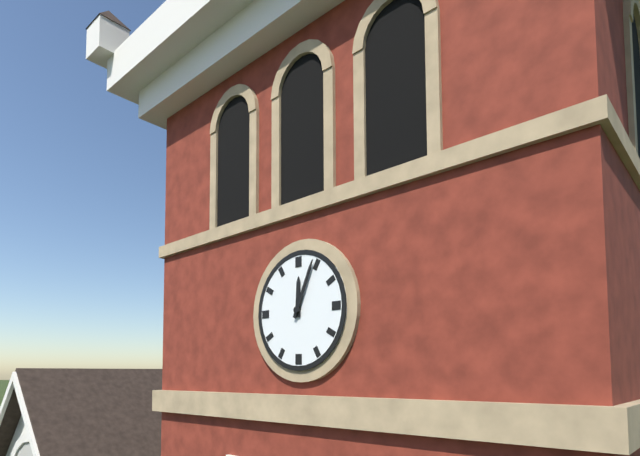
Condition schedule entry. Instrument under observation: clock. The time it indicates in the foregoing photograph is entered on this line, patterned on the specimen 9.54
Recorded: 12.04
